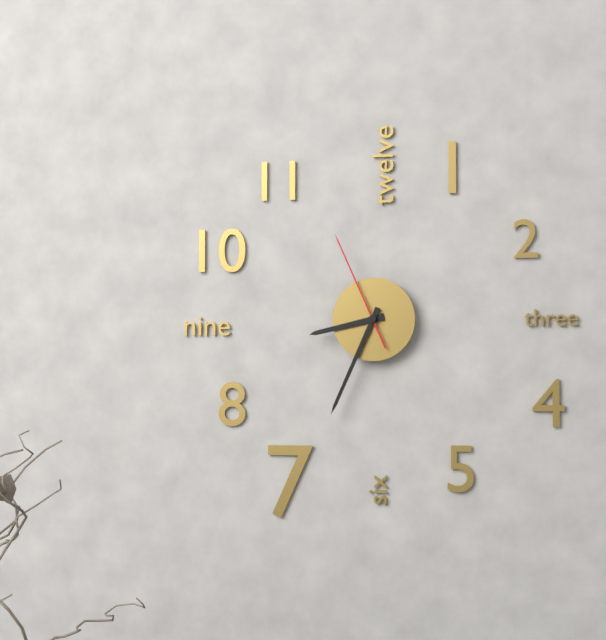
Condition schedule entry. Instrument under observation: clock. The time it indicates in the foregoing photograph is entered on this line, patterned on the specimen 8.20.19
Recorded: 8.34.56
